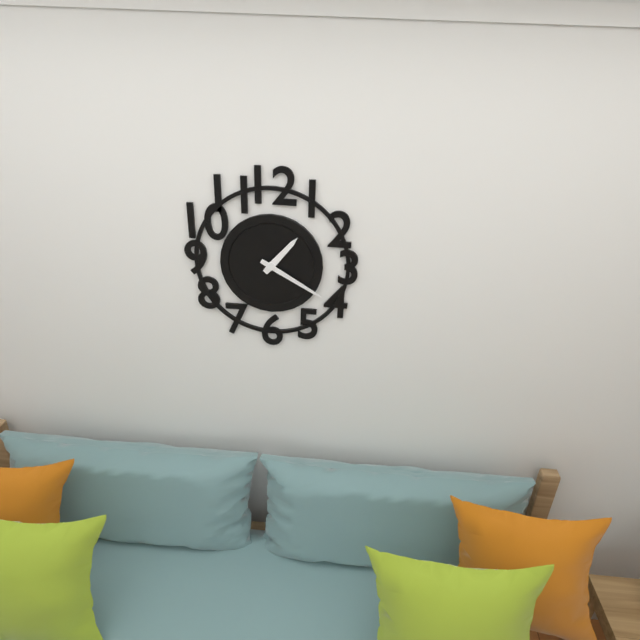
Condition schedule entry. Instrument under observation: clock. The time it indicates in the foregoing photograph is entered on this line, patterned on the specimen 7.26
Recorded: 1.20
